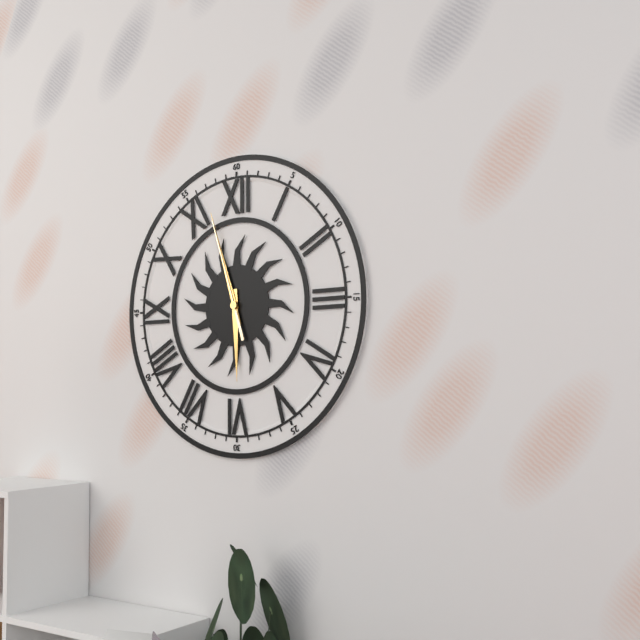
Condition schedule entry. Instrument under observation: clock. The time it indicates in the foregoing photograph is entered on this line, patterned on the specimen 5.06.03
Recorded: 5.57.57
